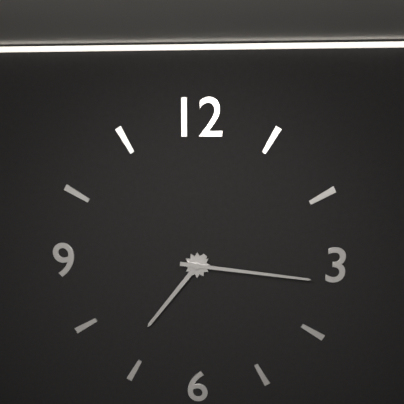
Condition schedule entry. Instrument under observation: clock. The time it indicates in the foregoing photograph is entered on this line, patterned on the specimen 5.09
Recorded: 7.16
